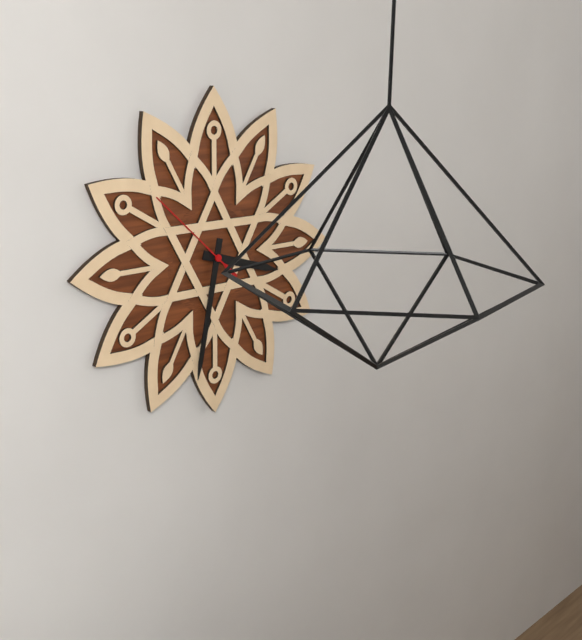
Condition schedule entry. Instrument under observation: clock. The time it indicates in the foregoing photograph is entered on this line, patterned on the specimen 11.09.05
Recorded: 3.32.52
